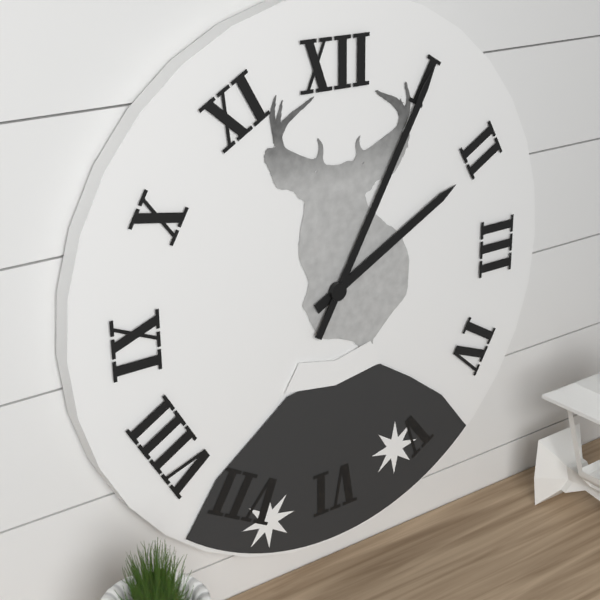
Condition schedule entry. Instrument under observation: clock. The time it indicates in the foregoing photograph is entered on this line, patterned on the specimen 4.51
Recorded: 2.05
